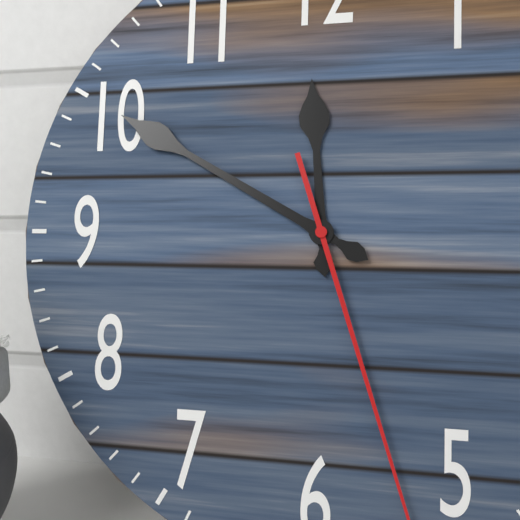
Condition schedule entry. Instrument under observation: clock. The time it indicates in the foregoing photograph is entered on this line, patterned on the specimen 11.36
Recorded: 11.50
